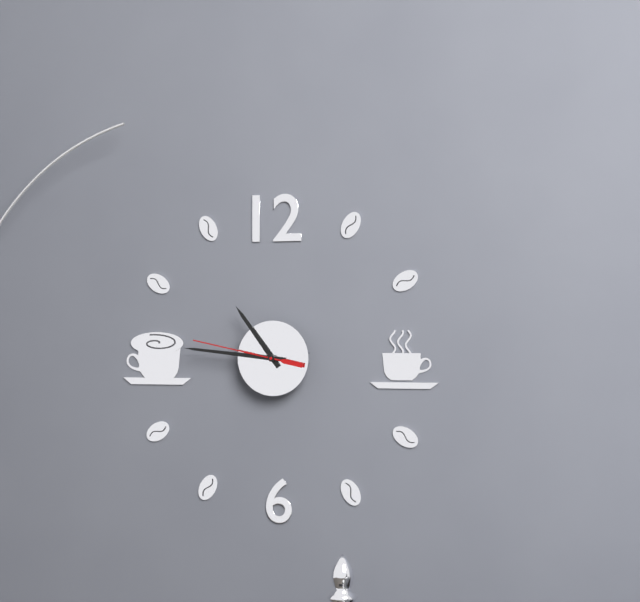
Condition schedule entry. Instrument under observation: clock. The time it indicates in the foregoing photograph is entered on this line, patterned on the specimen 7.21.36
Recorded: 10.46.47
